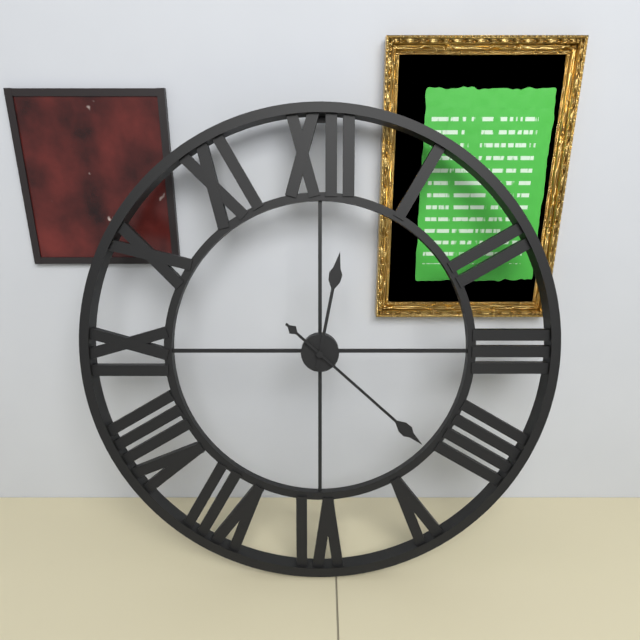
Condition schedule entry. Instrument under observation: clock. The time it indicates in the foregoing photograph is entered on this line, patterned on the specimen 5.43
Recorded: 12.22
